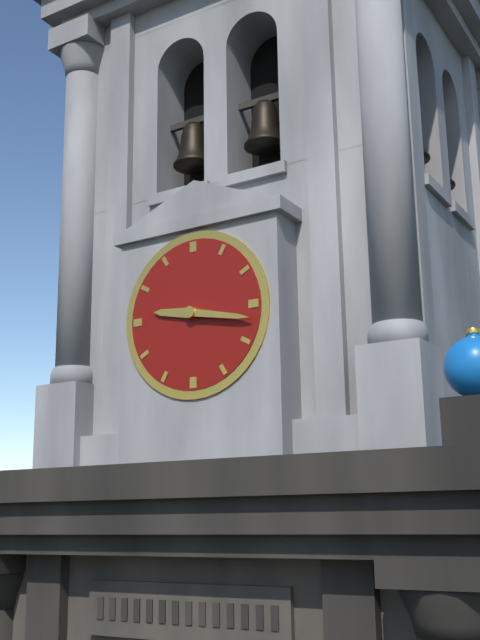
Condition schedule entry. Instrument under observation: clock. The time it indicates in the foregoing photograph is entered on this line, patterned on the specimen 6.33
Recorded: 9.17
